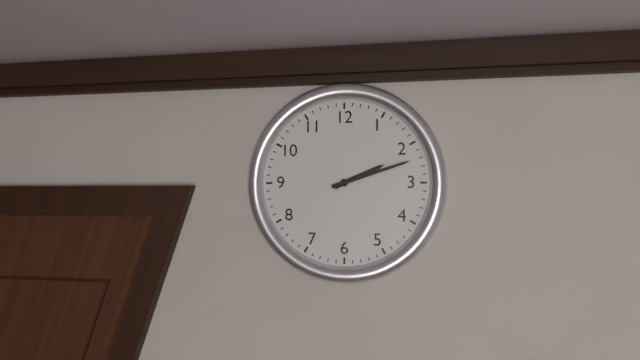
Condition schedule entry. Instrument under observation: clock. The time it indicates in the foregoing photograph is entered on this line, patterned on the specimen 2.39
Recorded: 2.12
